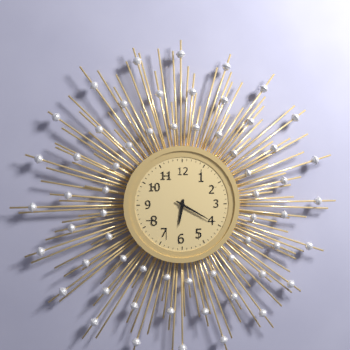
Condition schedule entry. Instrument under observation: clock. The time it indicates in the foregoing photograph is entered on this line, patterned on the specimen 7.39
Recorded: 6.20
